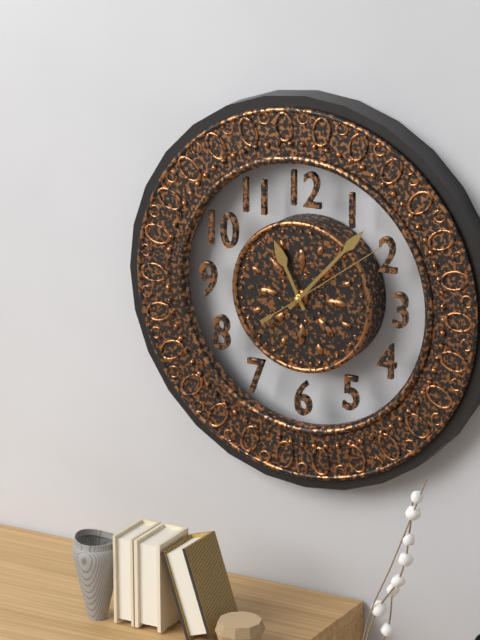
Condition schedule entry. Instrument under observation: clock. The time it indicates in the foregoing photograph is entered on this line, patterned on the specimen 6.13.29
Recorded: 11.07.09
